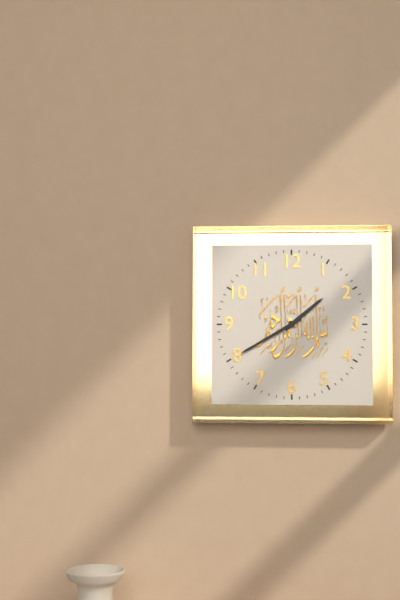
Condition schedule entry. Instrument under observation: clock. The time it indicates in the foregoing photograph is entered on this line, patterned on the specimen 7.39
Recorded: 1.40
